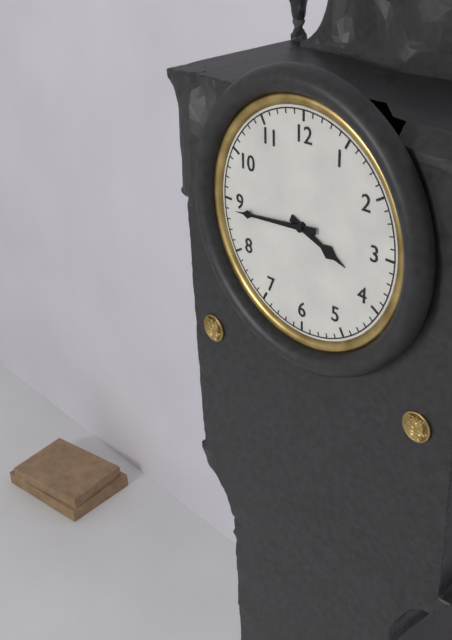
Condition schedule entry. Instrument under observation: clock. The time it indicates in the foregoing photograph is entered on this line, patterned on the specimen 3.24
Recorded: 3.44
